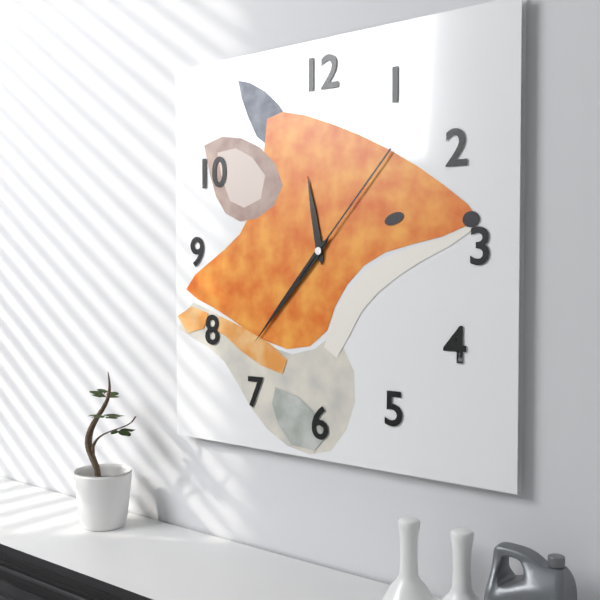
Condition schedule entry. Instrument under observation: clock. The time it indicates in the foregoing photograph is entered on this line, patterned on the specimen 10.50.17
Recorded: 11.37.07
